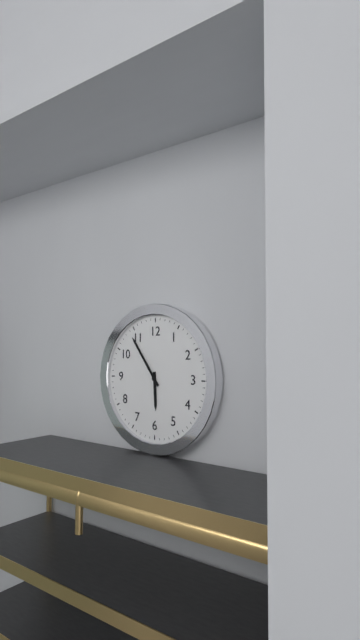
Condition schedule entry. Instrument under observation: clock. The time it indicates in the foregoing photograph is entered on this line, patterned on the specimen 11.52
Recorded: 5.54
